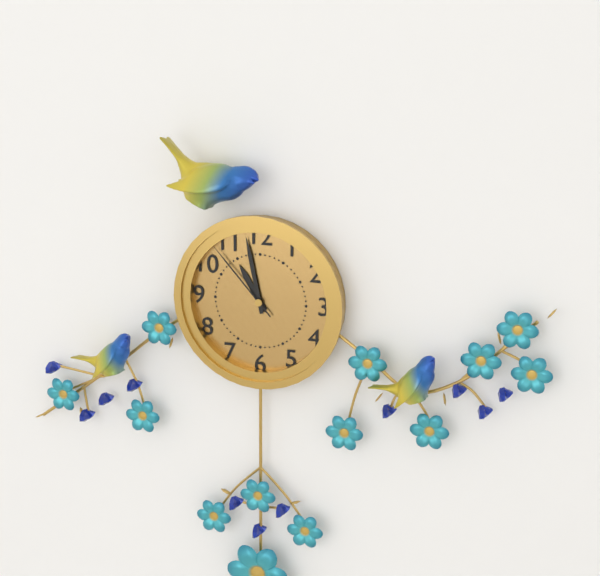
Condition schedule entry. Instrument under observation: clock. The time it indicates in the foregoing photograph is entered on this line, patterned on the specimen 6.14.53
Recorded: 10.58.53
